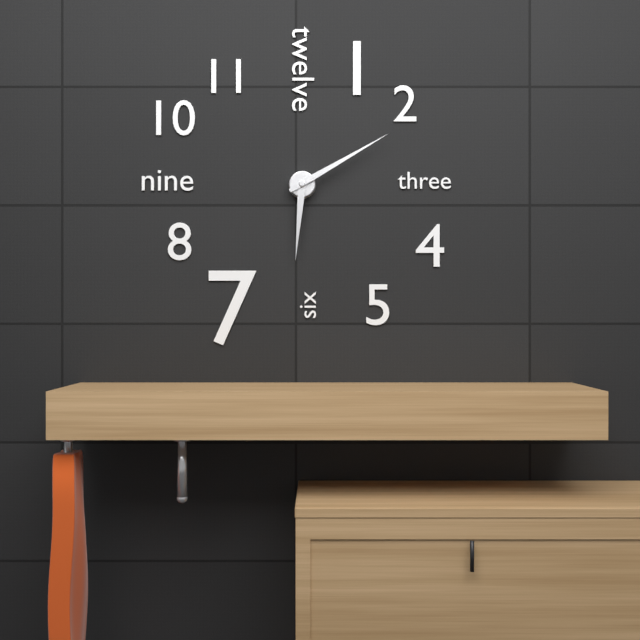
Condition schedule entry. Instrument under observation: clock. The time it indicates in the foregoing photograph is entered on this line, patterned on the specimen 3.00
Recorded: 6.10
